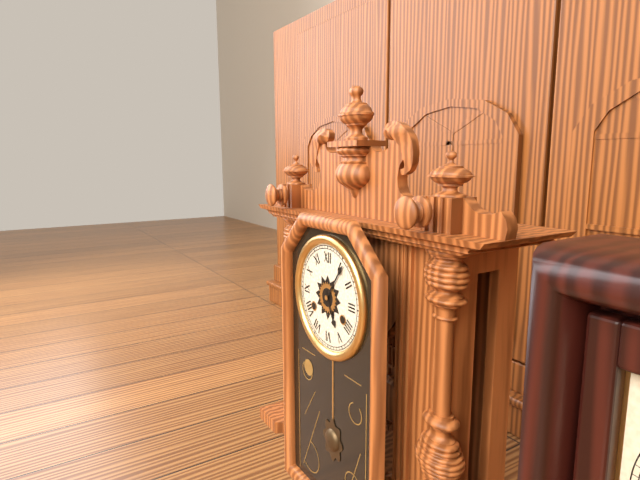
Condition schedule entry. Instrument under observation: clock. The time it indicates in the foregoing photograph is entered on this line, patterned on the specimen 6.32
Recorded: 5.06
